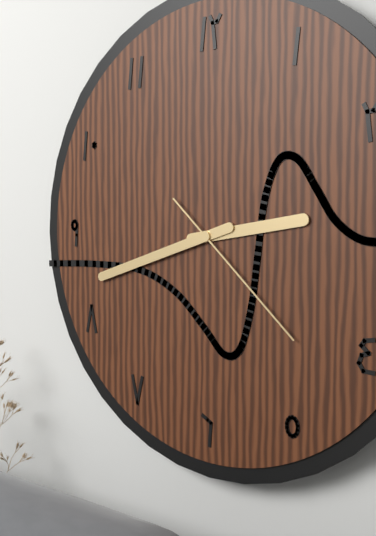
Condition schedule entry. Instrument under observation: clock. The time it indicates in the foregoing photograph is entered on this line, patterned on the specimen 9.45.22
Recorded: 2.42.22
